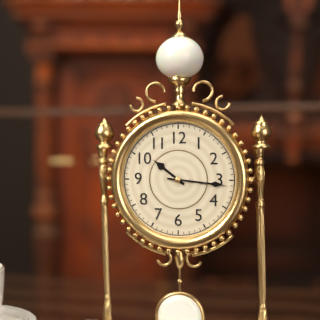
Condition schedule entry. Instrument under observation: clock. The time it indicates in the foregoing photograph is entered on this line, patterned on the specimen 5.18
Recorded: 10.16
